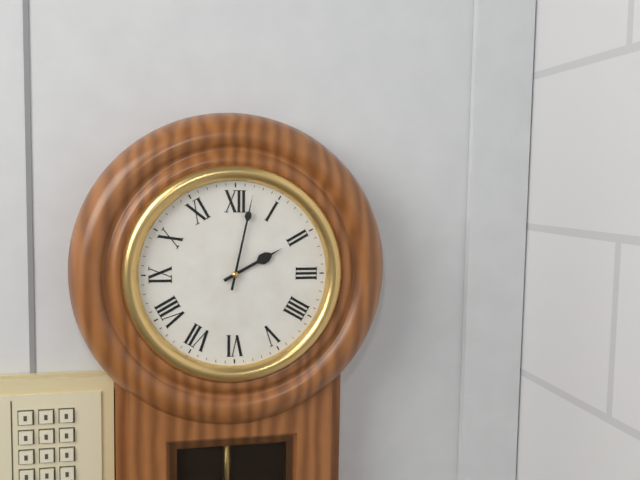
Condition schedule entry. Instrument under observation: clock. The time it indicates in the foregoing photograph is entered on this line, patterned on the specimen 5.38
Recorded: 2.02
